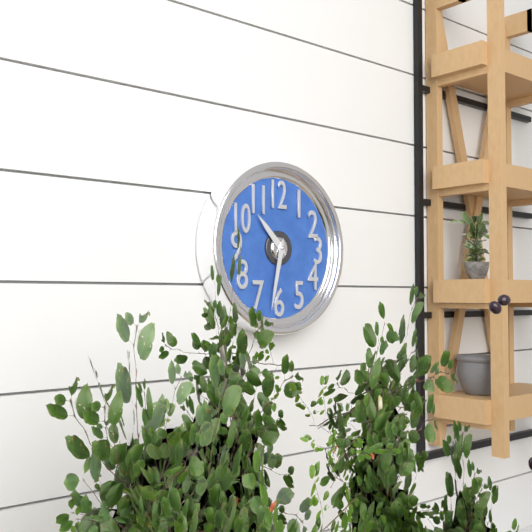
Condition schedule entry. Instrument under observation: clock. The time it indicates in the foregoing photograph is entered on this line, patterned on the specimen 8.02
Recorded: 10.32
